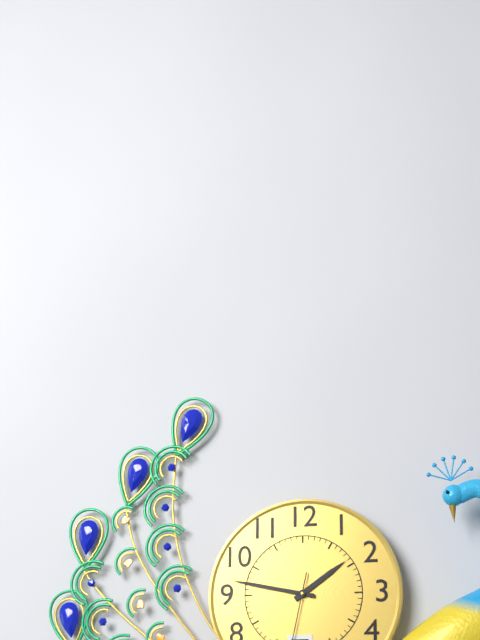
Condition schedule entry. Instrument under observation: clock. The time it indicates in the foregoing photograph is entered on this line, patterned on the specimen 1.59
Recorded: 1.47
